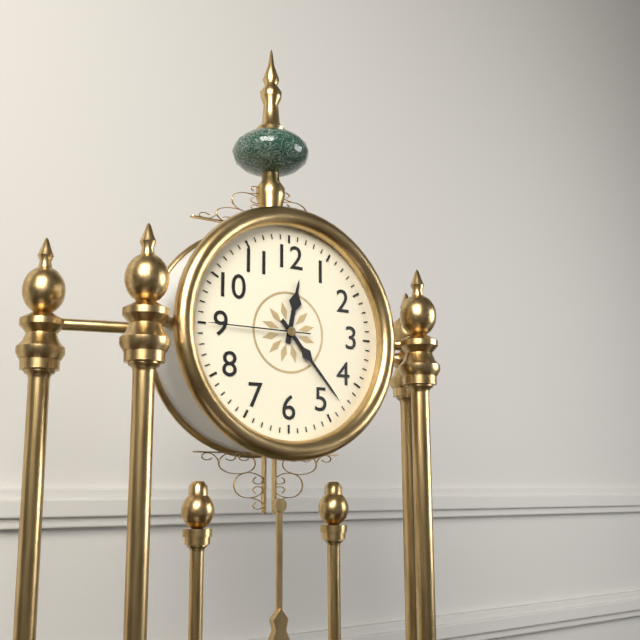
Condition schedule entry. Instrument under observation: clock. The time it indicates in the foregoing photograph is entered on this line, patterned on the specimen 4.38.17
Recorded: 12.23.45
